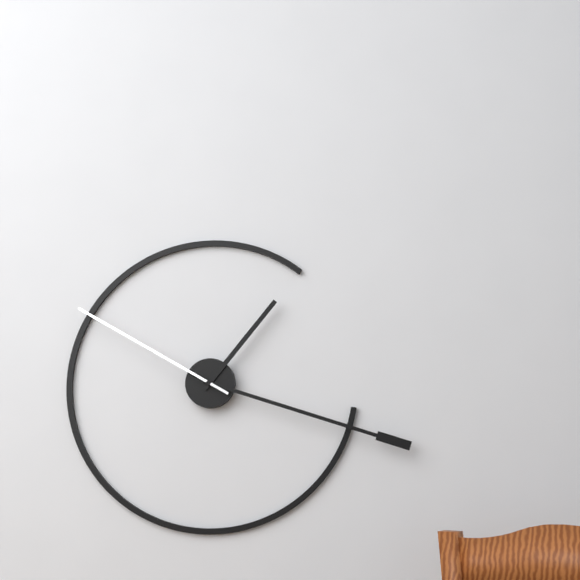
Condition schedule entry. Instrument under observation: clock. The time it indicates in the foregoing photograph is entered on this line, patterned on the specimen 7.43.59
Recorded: 1.18.50
